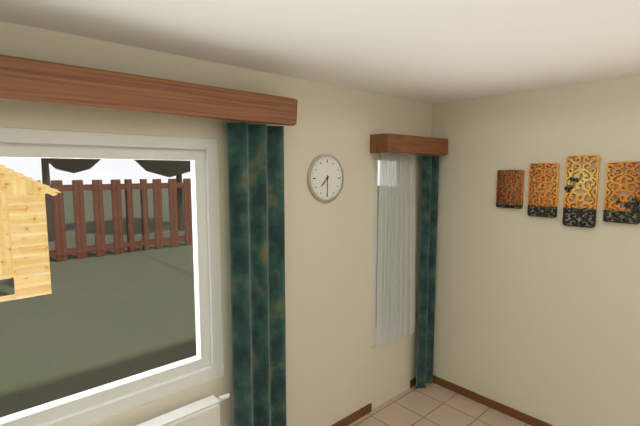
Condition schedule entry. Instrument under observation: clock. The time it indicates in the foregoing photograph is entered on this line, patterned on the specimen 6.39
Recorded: 7.30
